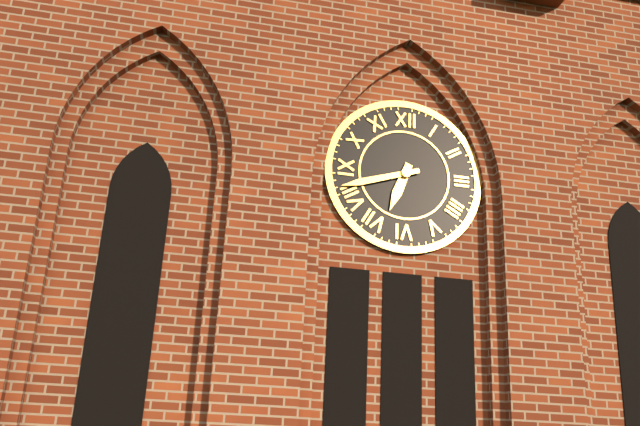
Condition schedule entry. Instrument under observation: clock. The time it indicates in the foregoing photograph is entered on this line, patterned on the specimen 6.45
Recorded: 6.42
